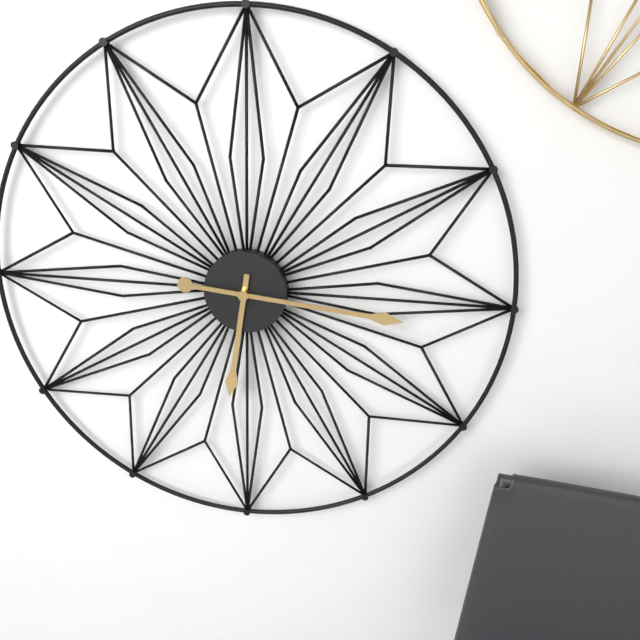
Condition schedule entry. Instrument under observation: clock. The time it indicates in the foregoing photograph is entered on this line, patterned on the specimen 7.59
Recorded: 6.16
